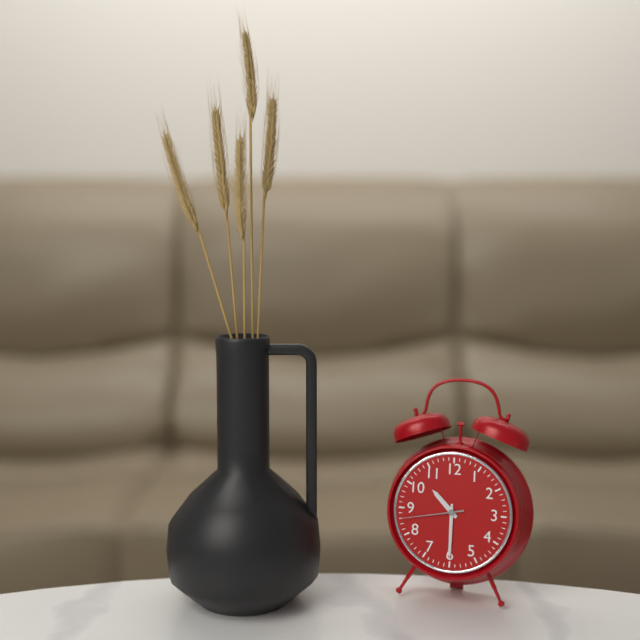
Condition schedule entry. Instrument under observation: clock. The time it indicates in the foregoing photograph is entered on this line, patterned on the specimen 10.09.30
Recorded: 10.30.43
